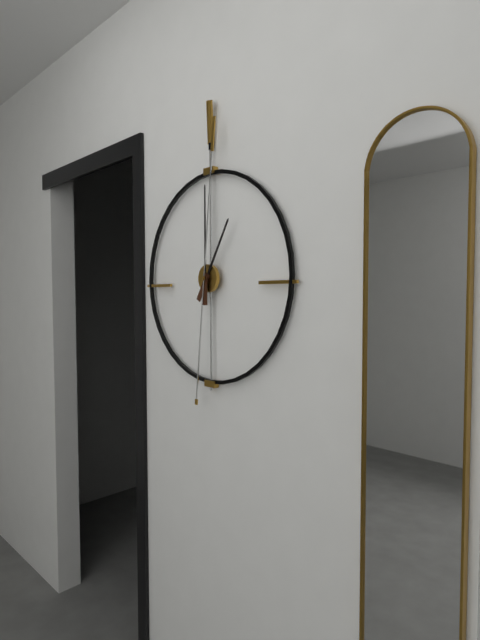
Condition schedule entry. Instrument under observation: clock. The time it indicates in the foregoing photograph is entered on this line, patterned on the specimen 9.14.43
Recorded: 1.00.01
